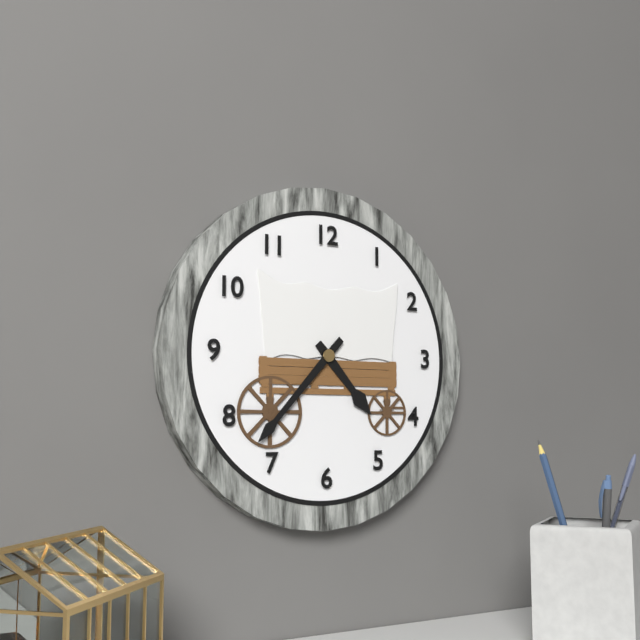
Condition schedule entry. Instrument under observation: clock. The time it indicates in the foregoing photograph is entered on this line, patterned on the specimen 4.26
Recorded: 4.37
